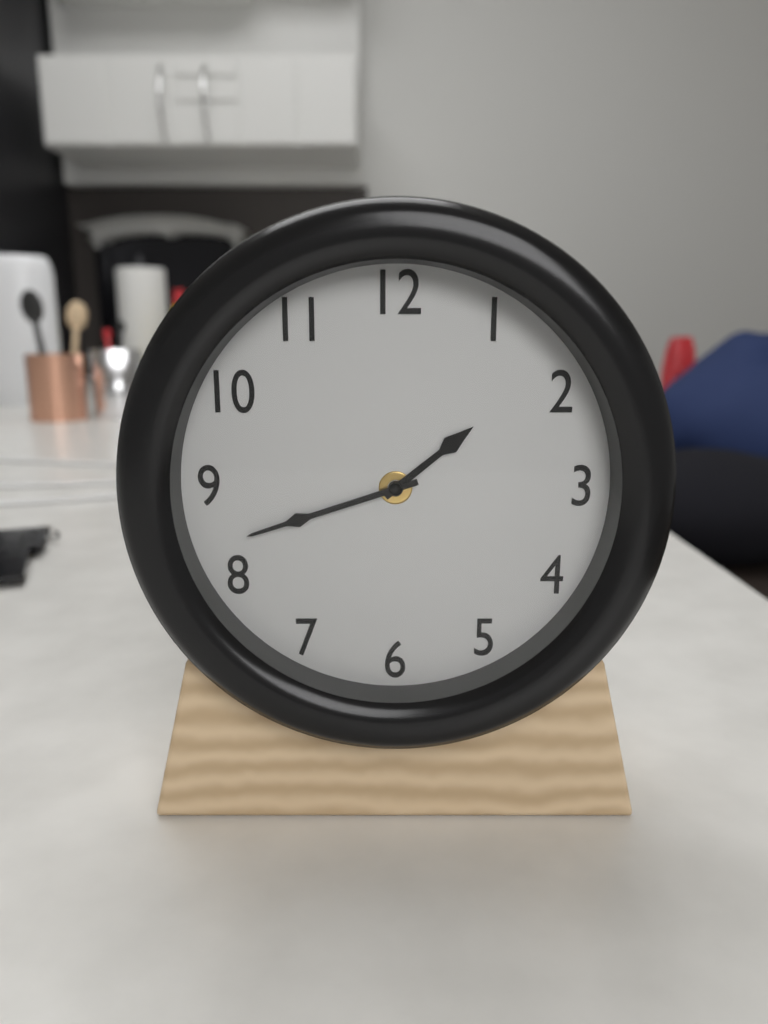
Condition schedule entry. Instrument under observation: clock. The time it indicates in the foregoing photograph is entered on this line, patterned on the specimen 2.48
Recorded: 1.42
